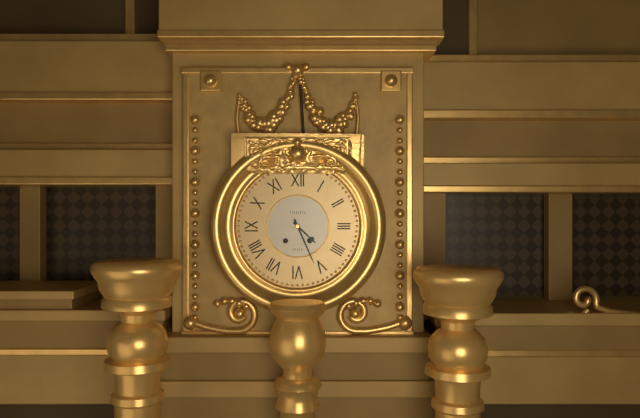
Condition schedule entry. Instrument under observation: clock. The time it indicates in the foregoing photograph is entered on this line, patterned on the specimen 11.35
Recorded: 4.26
